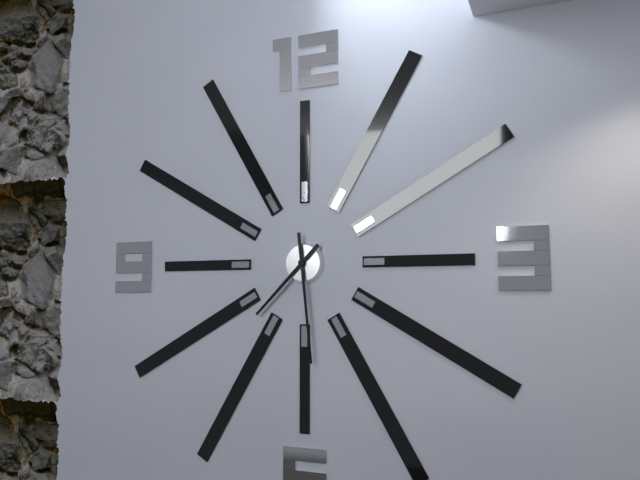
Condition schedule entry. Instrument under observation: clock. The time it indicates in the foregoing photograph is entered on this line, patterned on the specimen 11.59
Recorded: 7.29
